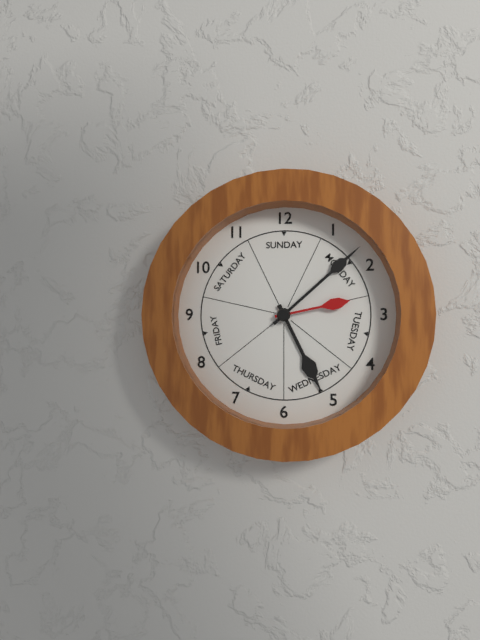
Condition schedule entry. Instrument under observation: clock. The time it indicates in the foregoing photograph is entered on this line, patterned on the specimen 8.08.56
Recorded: 5.08.13
